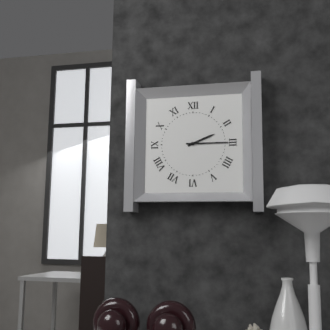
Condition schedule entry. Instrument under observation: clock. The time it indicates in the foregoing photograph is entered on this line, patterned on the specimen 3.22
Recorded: 2.15
